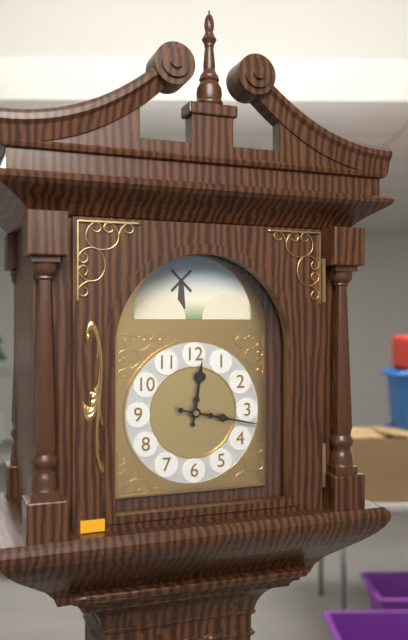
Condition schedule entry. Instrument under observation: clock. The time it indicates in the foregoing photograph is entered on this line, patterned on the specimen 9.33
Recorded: 12.17
